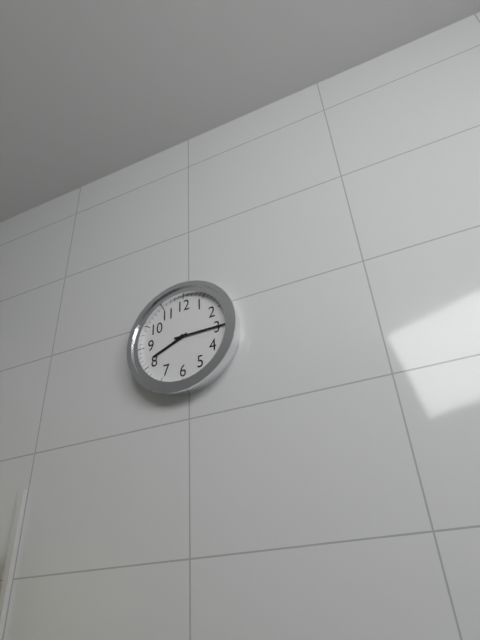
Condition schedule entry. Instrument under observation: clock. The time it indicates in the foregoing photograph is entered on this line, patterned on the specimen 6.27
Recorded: 8.15
